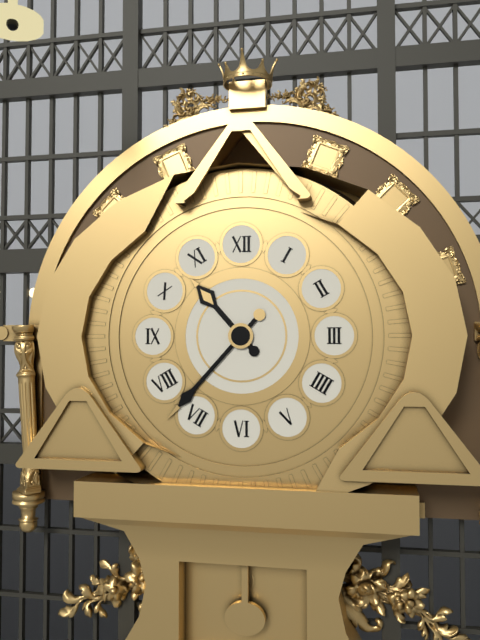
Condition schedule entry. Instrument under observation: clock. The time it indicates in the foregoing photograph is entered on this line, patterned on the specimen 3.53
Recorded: 10.37
